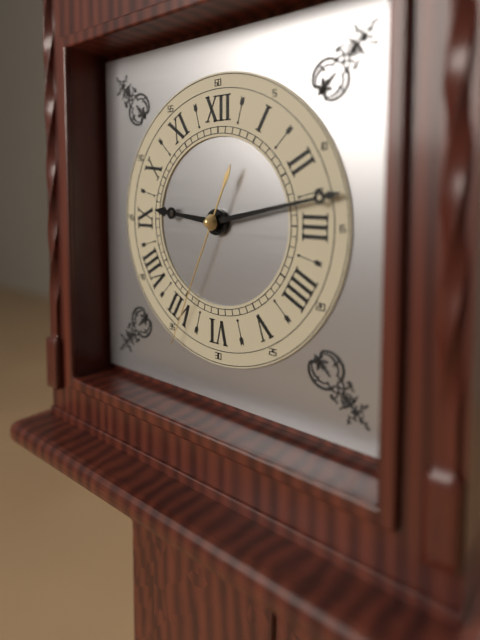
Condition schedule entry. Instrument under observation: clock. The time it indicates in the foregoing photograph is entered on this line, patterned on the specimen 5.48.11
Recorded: 9.13.34
